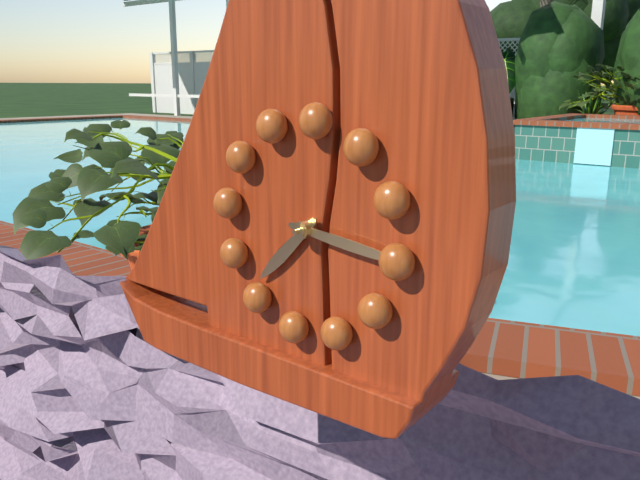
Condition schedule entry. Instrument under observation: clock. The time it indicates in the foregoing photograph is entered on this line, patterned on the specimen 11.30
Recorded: 7.15
